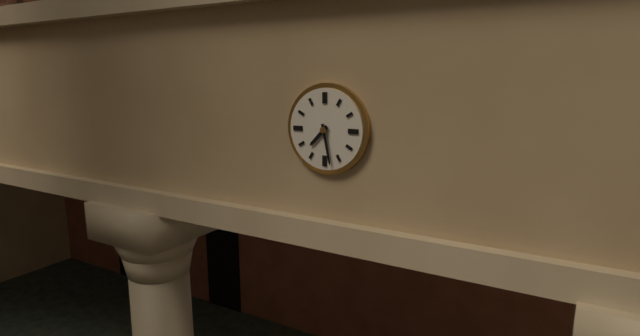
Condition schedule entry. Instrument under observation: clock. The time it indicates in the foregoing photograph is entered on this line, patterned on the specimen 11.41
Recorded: 7.28
